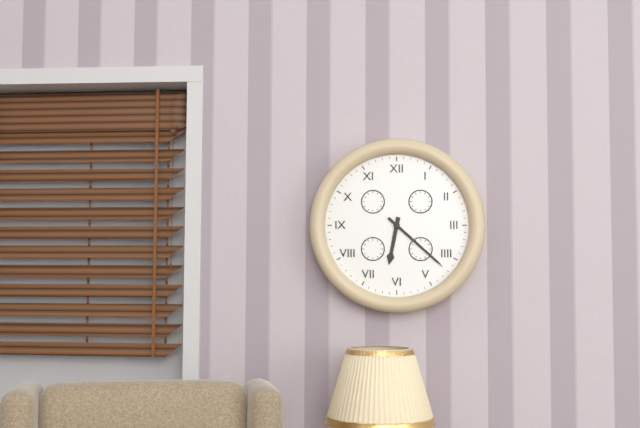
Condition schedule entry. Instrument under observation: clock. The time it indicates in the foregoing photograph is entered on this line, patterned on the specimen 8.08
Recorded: 6.22
